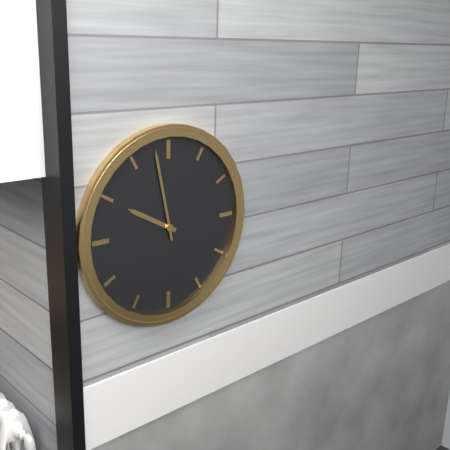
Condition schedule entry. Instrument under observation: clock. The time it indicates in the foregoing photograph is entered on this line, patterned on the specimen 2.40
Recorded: 9.58
